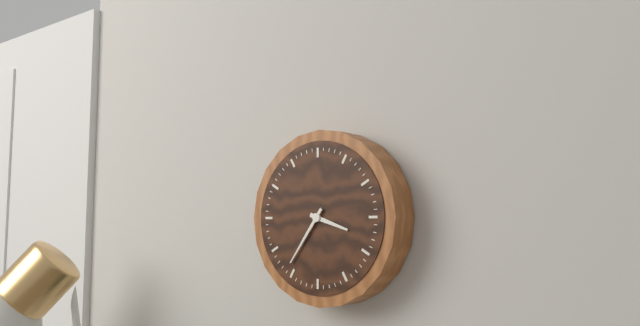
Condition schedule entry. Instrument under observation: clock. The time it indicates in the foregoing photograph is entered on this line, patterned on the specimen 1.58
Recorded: 3.36
